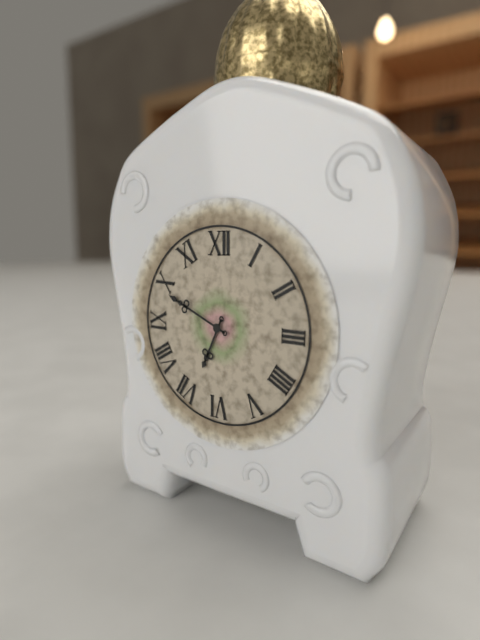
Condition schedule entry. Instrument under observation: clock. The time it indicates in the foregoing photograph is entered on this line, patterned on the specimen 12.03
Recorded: 6.49
